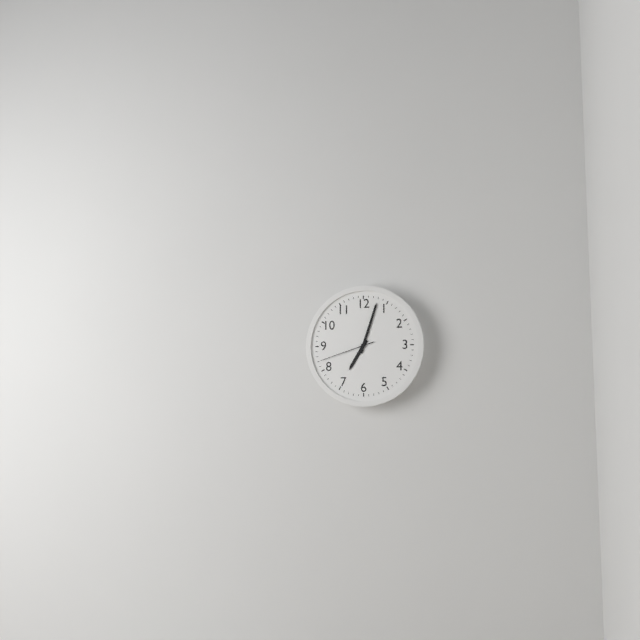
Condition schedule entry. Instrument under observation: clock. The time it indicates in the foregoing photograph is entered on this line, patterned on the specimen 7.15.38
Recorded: 7.03.42
